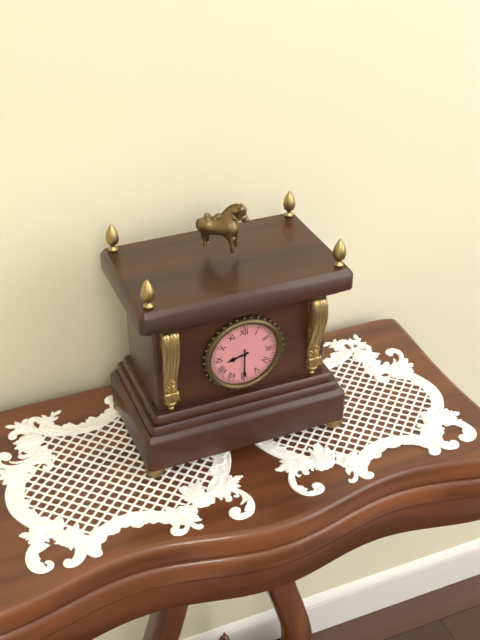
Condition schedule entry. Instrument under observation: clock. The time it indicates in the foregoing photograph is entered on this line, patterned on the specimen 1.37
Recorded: 8.30
